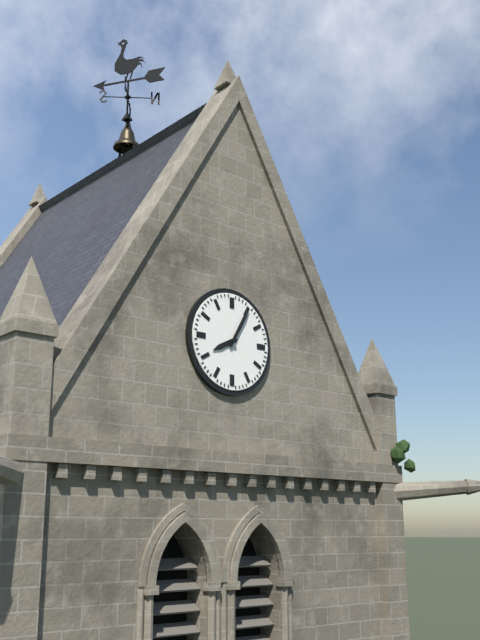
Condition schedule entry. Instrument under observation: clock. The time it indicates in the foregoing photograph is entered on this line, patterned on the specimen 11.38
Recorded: 8.05
